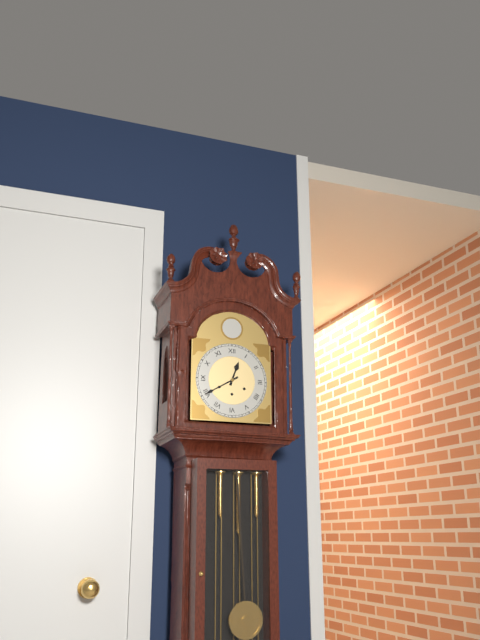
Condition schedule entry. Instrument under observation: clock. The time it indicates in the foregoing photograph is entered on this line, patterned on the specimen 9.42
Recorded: 12.40
